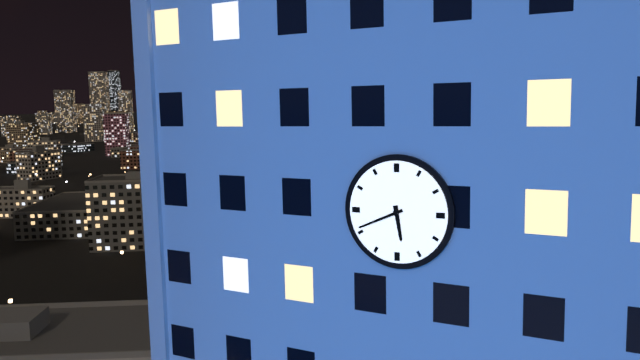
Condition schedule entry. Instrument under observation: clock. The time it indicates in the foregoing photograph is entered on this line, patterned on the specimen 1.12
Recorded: 5.41
